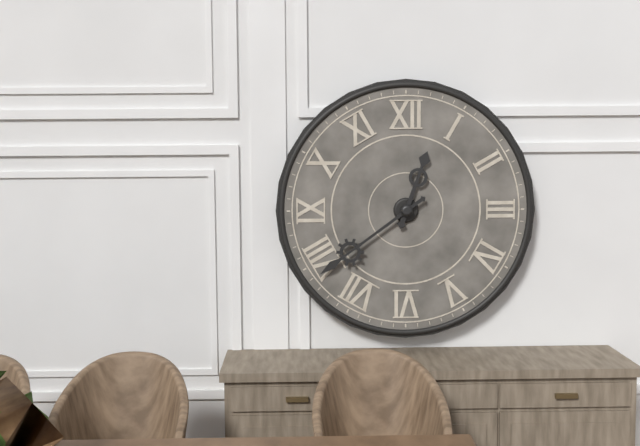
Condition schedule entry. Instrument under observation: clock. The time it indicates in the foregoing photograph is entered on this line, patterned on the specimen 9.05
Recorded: 12.39
